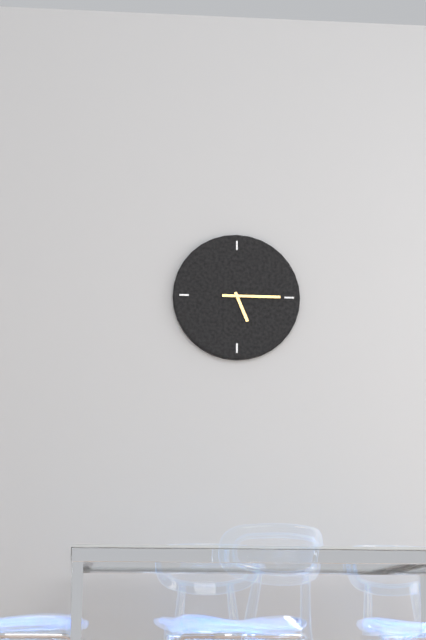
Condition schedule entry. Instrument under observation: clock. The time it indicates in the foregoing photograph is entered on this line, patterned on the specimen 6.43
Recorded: 5.15
